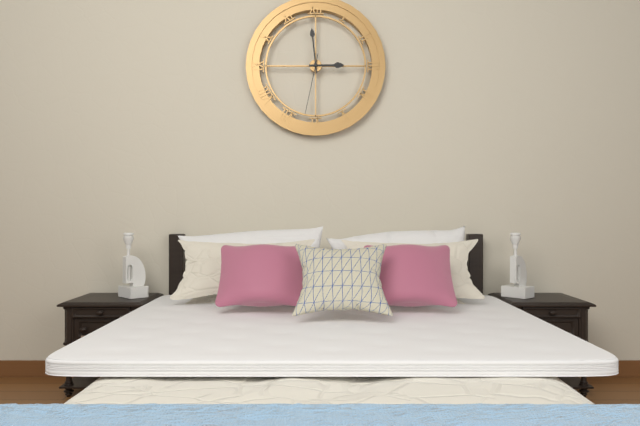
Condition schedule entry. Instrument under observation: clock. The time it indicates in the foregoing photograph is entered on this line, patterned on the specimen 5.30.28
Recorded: 2.59.32
